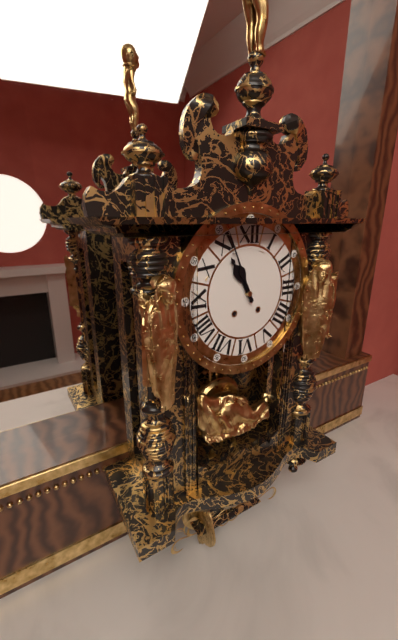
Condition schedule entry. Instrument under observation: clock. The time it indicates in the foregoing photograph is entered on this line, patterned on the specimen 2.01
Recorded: 10.56
